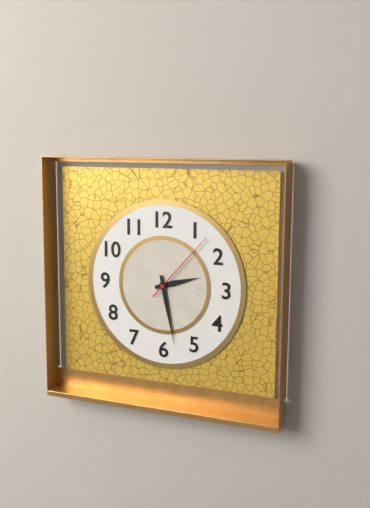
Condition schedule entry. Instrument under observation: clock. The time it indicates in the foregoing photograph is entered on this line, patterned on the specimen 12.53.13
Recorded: 2.28.07
